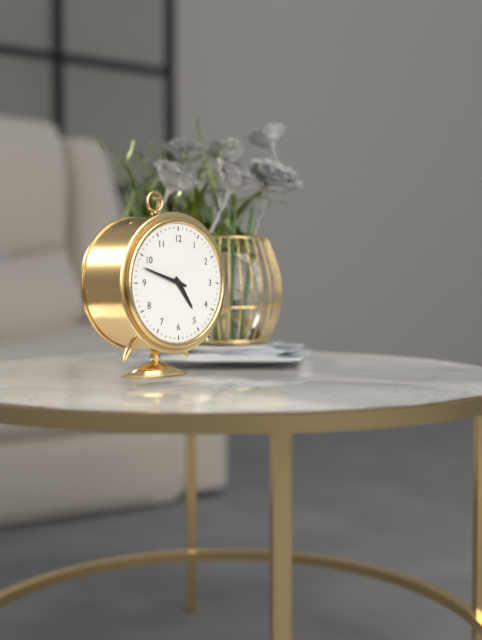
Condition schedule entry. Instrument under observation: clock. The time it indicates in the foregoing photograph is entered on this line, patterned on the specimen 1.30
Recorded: 4.48
